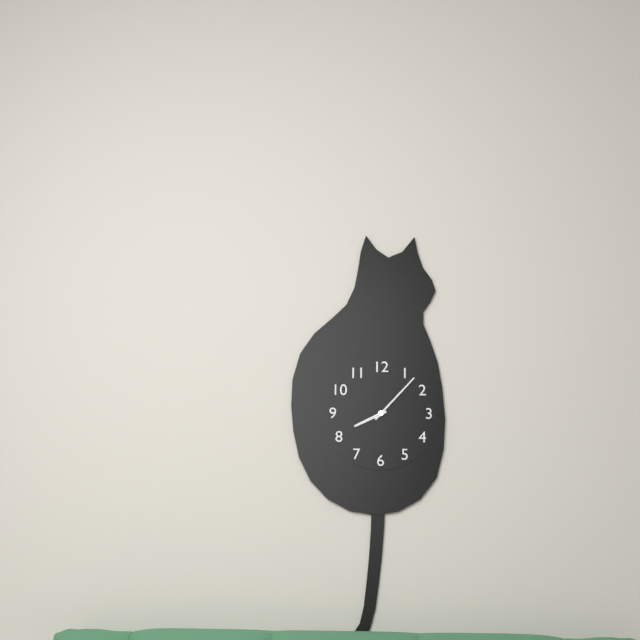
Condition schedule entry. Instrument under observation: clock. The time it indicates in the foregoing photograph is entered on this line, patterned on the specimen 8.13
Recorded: 8.07
